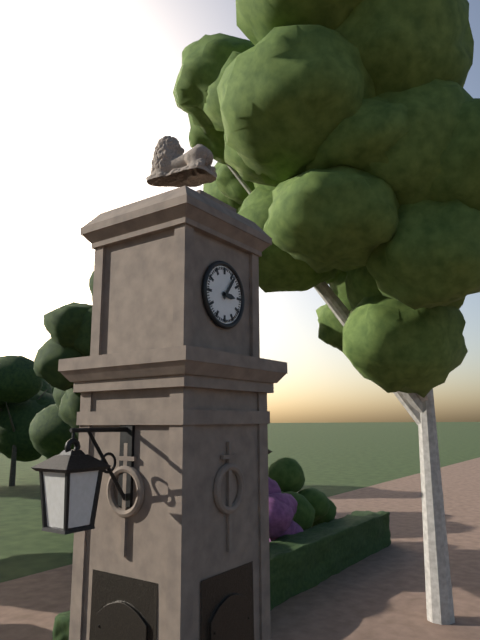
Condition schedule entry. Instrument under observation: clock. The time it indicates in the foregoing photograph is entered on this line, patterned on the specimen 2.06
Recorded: 3.06
